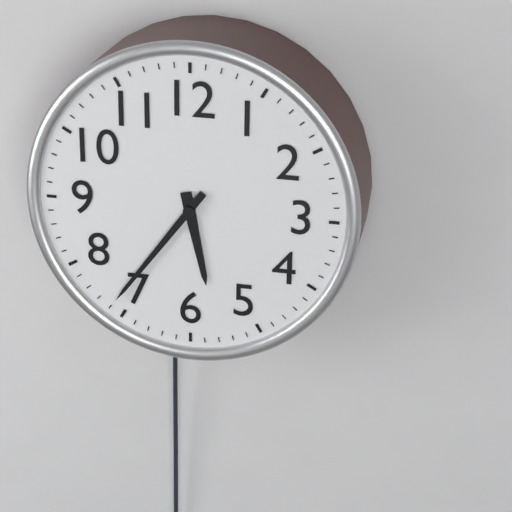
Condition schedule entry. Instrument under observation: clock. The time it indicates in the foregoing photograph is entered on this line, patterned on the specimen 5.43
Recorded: 5.36
